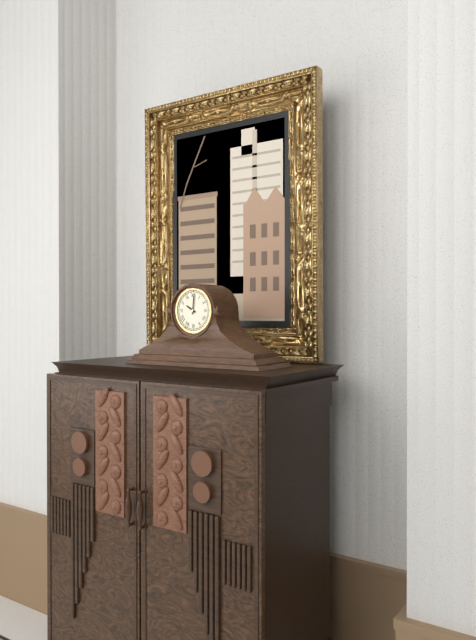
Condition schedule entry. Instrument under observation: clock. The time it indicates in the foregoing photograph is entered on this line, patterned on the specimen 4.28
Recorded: 10.01
